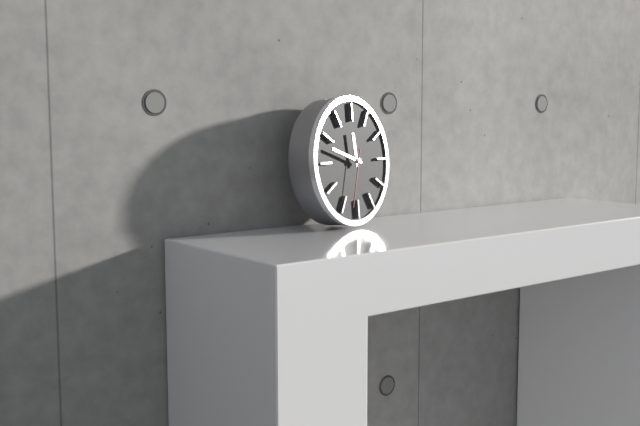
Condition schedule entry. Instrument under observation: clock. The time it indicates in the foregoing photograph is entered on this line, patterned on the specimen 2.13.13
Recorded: 11.48.33
